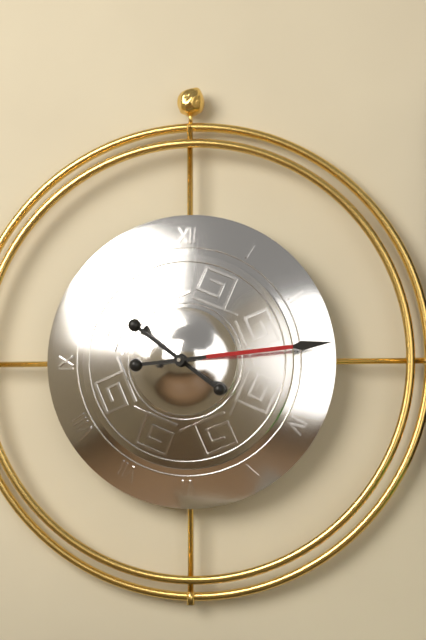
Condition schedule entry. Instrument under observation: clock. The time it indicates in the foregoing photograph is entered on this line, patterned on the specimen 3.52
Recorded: 10.14
